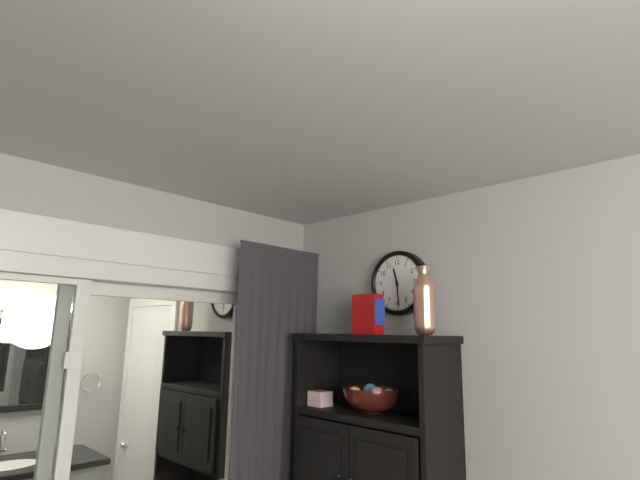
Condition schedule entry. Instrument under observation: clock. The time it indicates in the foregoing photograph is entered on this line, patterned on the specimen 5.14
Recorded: 11.29
